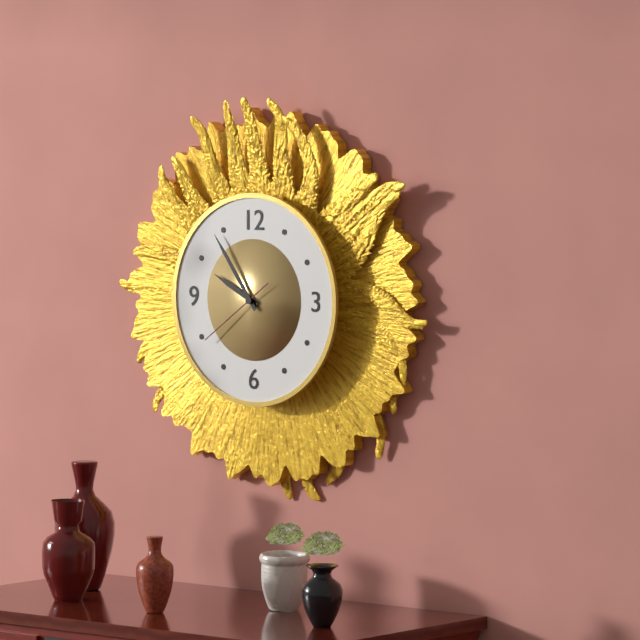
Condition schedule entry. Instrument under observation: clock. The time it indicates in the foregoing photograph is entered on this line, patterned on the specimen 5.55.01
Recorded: 9.54.39
